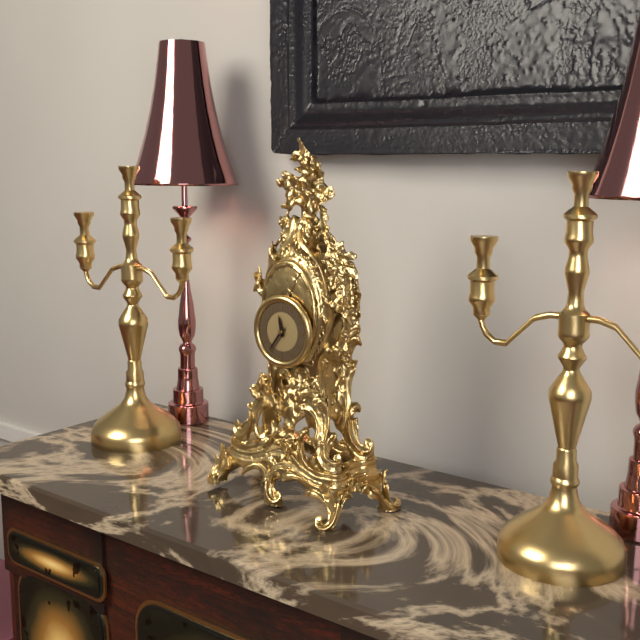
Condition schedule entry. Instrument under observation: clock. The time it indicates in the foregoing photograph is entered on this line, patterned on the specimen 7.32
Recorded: 11.36
